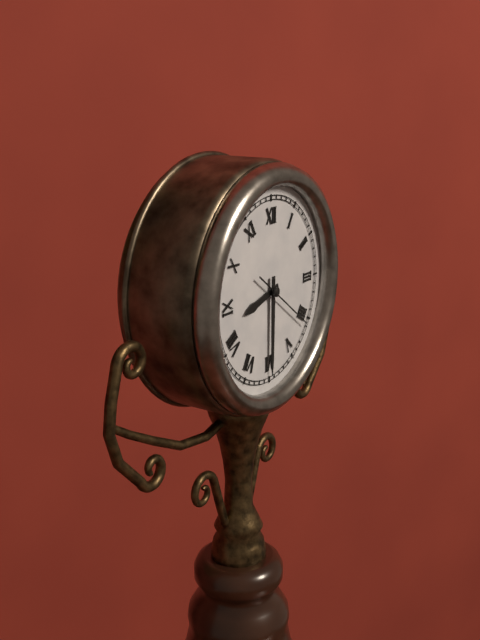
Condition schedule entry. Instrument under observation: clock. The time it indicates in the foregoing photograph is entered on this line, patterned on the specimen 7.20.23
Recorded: 8.30.21
